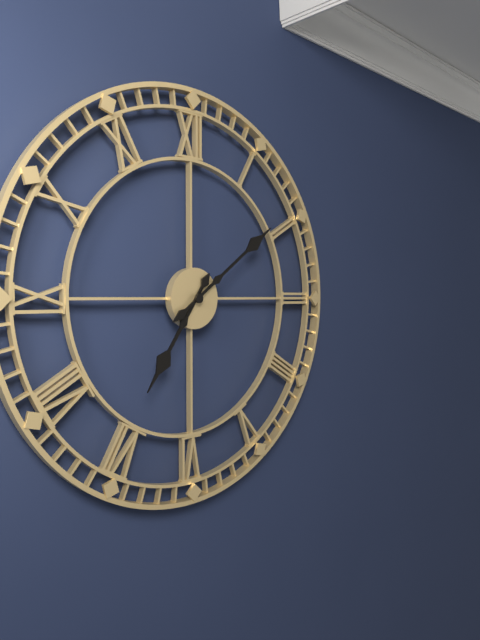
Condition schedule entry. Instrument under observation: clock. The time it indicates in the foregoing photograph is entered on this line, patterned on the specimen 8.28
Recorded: 7.09
